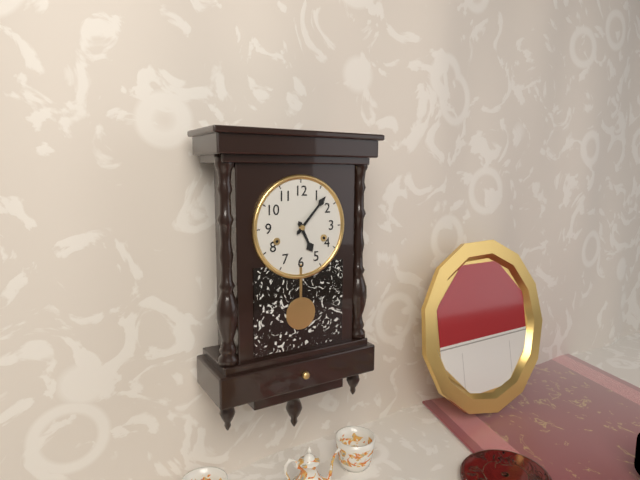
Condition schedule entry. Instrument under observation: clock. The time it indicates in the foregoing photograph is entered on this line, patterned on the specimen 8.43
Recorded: 5.07
